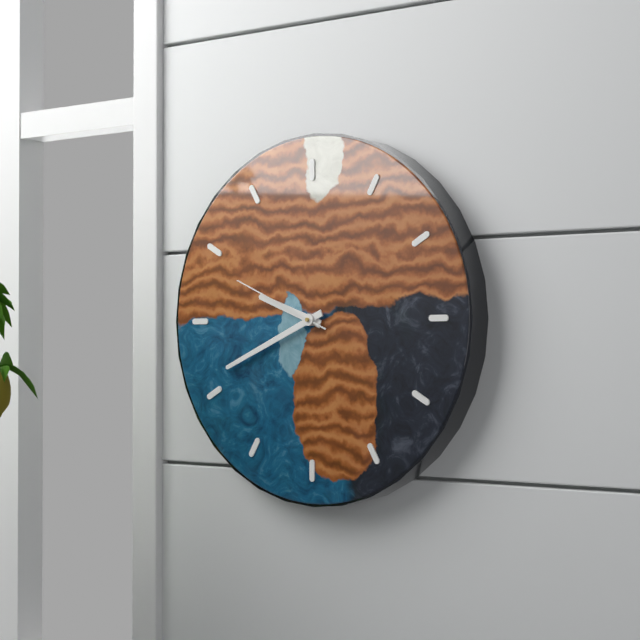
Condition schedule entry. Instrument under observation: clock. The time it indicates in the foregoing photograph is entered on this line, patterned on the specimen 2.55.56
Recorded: 9.41.49
